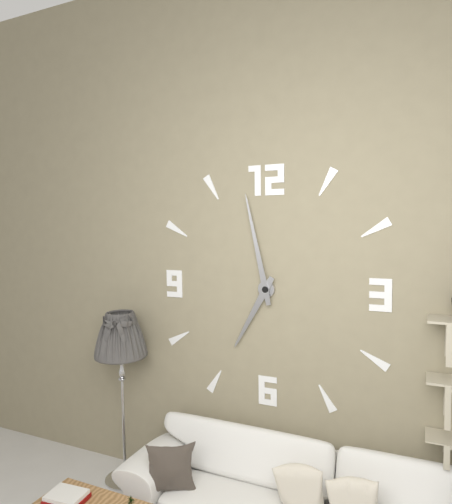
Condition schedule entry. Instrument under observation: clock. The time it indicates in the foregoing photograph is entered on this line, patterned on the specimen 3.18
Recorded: 6.58
